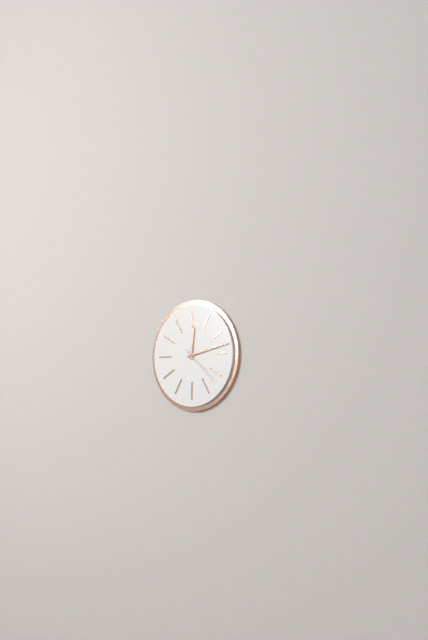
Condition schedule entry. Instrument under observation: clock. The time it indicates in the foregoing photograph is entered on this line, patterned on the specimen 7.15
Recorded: 12.13
